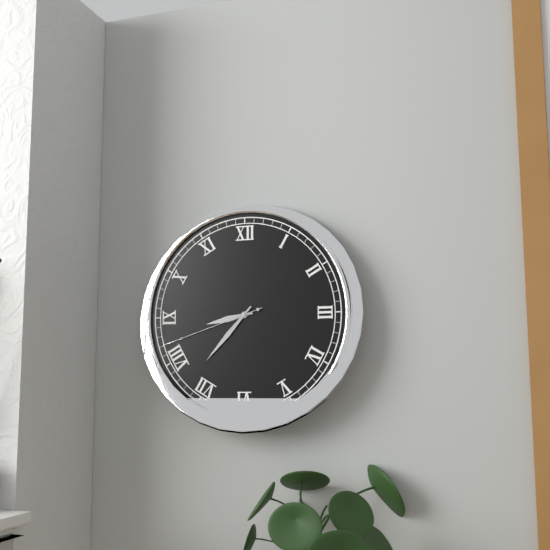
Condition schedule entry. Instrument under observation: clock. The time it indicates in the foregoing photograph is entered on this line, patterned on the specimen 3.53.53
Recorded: 8.37.42
